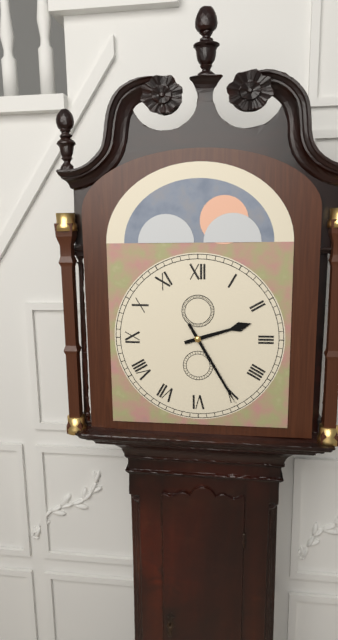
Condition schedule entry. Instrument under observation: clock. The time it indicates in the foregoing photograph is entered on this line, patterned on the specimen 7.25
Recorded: 2.25
